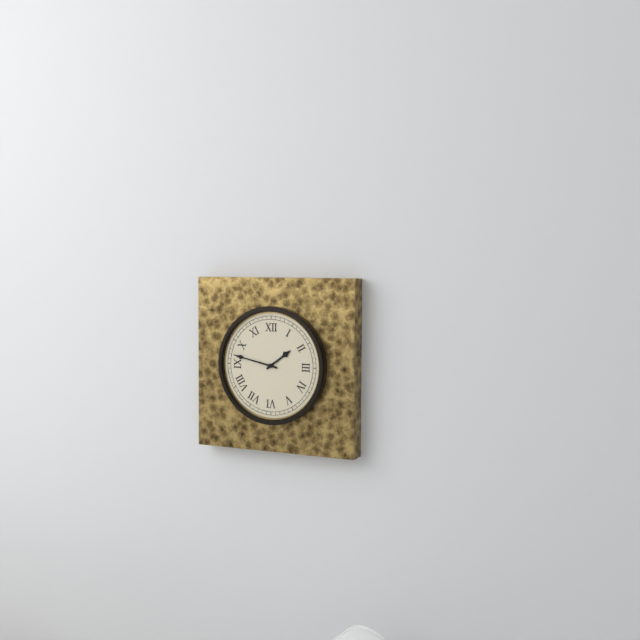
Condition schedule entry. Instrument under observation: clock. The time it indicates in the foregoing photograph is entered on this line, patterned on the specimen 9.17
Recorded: 1.47
